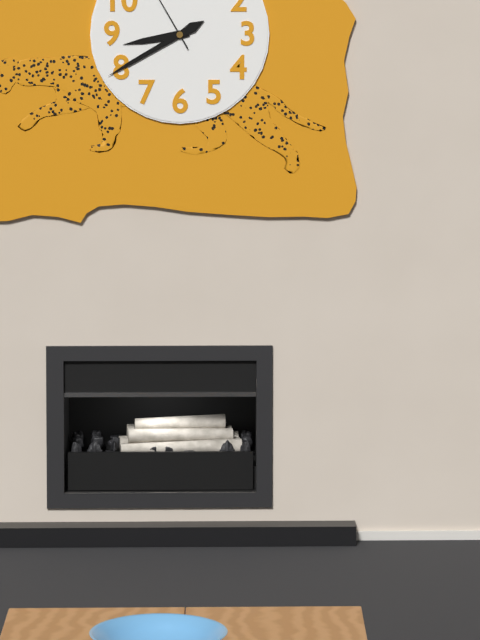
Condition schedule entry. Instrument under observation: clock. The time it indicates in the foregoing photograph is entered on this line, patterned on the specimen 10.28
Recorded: 8.40
